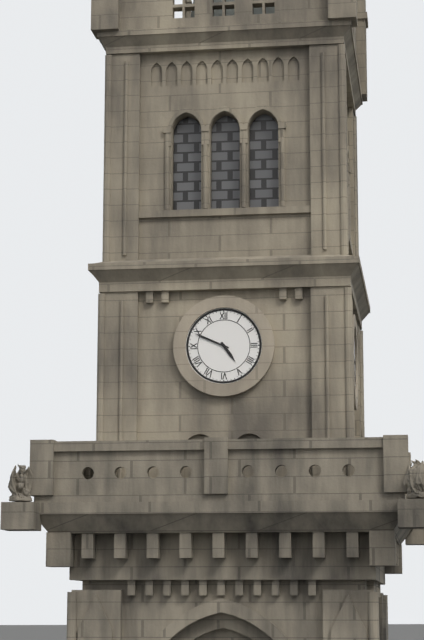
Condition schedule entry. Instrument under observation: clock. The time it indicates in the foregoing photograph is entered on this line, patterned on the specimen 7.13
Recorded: 4.49
